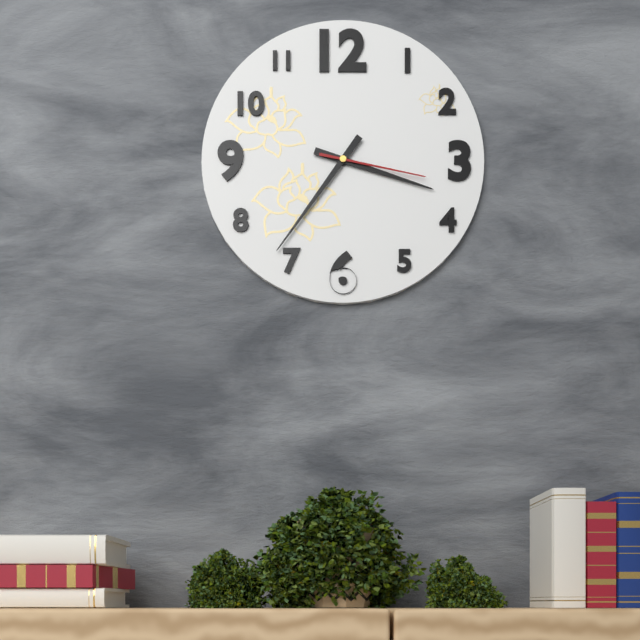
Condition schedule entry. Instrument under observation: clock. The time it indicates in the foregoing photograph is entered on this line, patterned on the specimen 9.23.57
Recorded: 3.36.17
